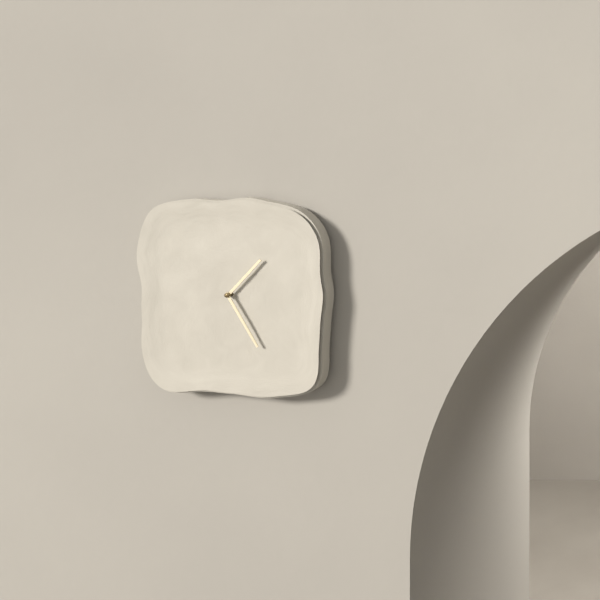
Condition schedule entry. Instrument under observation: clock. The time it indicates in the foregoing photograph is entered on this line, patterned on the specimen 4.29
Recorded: 1.25
